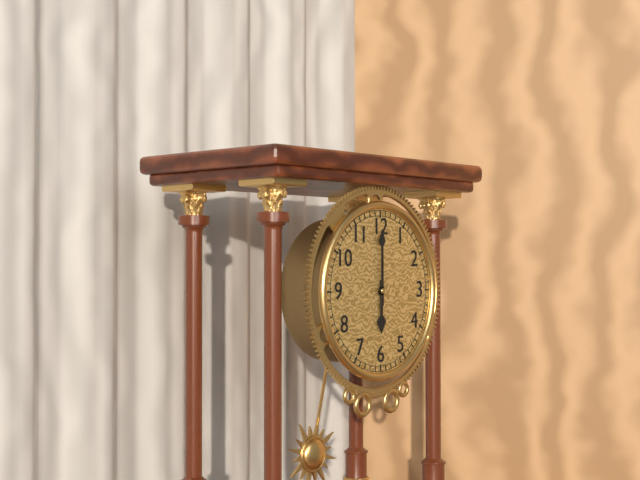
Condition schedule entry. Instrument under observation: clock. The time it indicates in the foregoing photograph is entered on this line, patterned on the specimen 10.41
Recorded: 6.00
